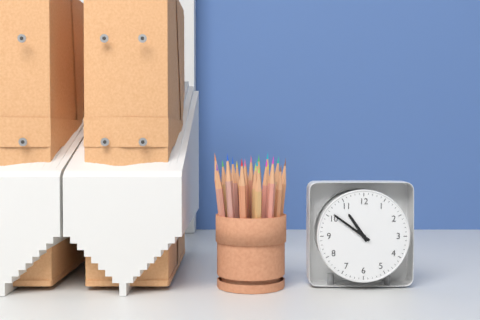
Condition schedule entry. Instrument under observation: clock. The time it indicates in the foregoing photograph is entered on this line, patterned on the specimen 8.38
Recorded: 10.51
